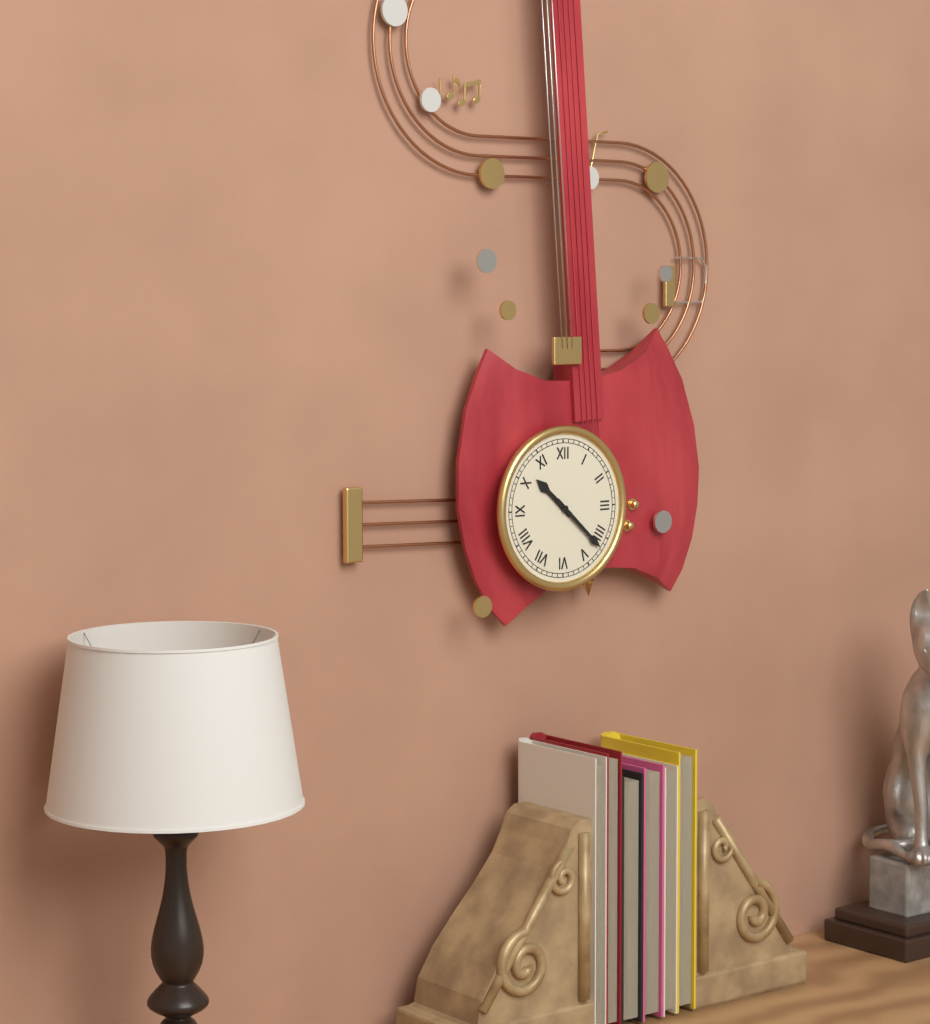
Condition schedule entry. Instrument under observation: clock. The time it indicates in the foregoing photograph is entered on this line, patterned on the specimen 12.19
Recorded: 10.22
